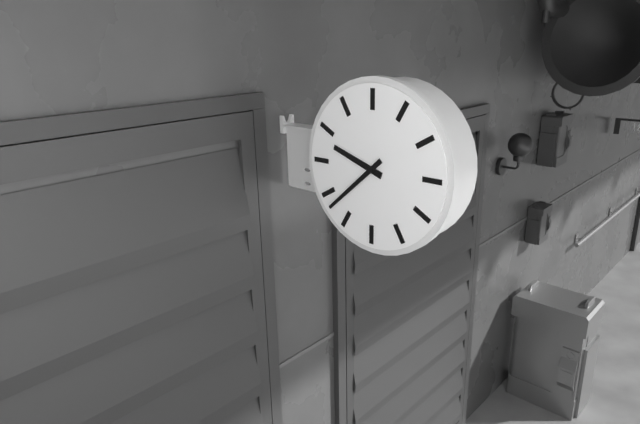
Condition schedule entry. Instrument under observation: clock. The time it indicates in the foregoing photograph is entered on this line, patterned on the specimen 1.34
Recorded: 9.38
